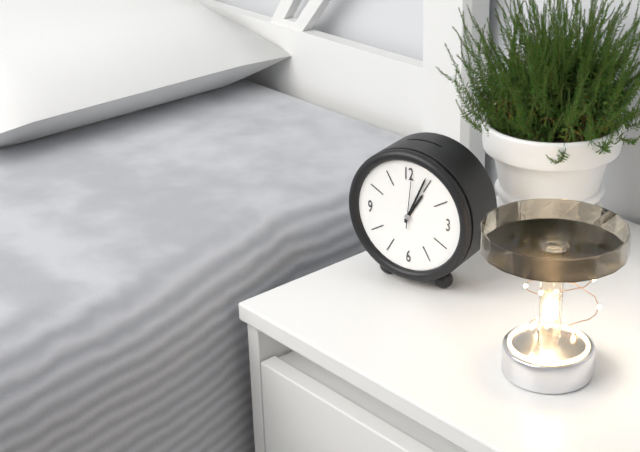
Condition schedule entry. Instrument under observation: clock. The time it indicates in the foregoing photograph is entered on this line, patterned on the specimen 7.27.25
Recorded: 1.04.01
